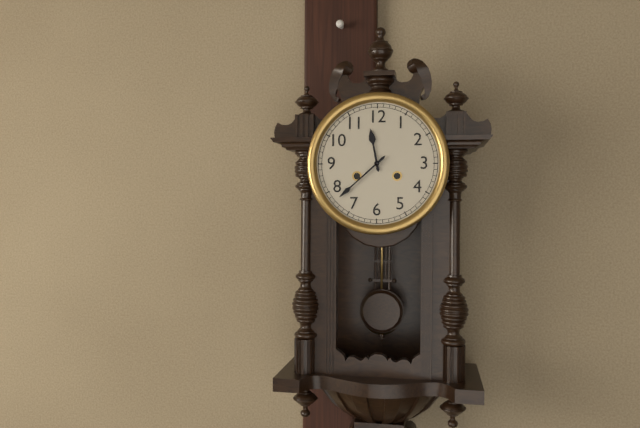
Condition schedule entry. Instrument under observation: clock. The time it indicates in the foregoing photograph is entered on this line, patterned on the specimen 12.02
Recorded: 11.38
